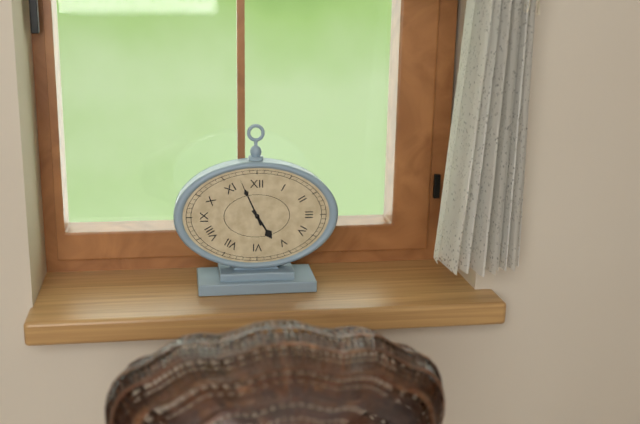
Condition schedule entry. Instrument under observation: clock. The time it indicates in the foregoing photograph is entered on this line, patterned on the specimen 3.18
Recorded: 4.56
